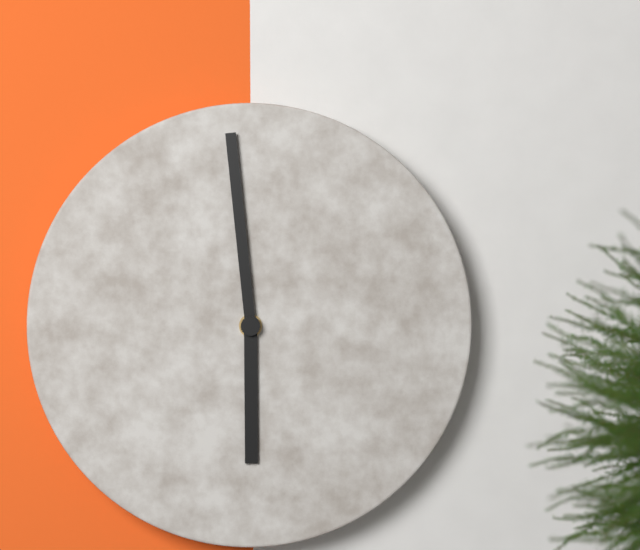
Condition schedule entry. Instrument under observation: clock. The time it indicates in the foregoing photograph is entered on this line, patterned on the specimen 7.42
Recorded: 5.59
